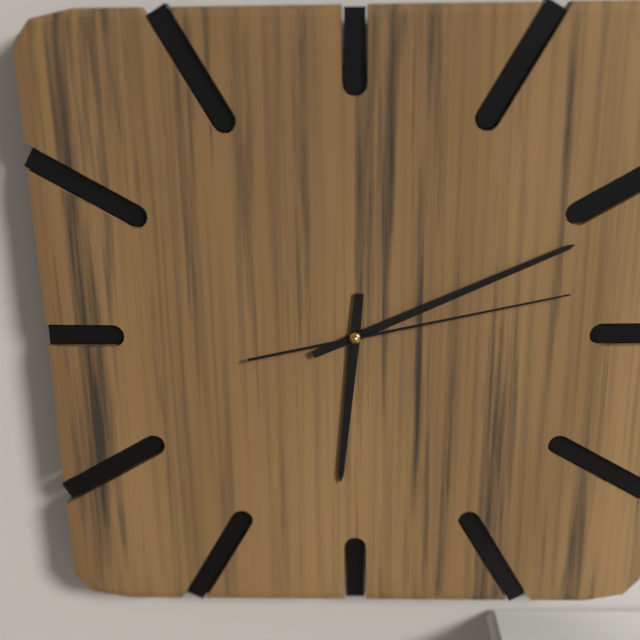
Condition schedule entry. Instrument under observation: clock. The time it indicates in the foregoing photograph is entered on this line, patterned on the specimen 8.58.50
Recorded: 6.11.13
